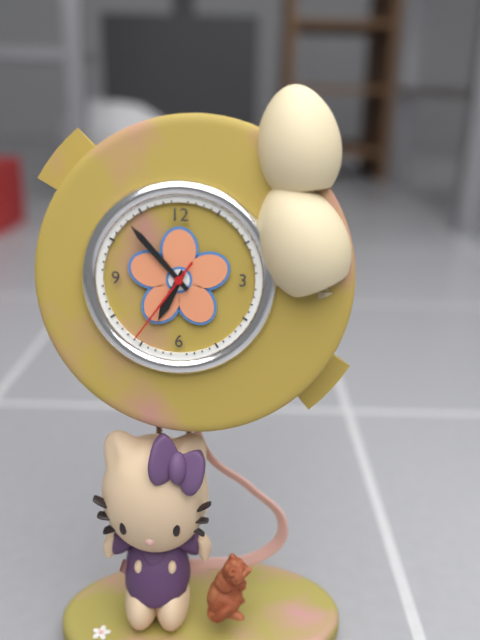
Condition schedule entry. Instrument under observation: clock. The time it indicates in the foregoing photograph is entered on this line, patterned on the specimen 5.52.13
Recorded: 6.53.36
